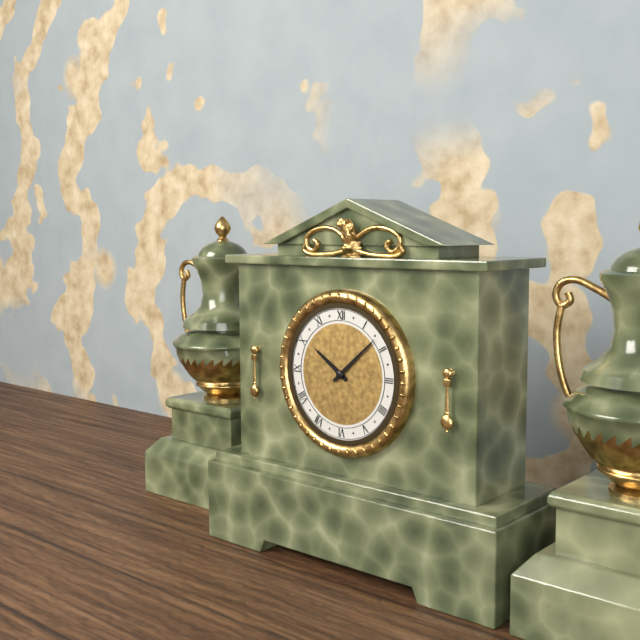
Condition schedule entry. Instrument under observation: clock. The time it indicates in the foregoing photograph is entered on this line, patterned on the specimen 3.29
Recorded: 10.08
